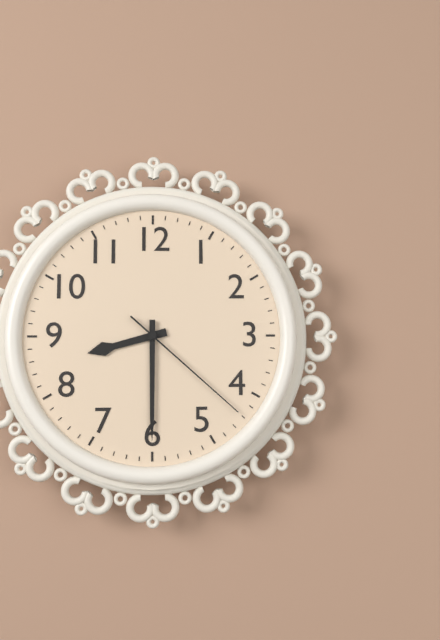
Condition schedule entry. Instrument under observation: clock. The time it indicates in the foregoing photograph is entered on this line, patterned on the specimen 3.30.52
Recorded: 8.30.22
